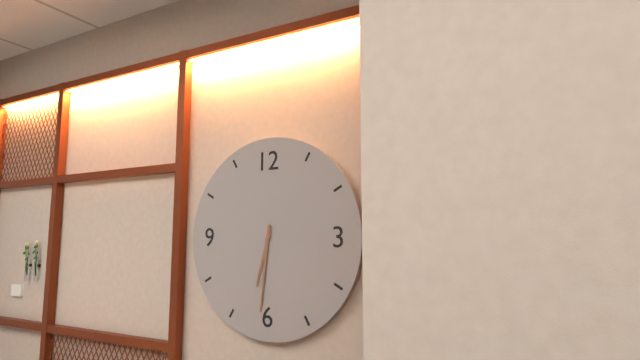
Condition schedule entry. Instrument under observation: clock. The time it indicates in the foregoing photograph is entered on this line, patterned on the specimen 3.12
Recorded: 6.31
